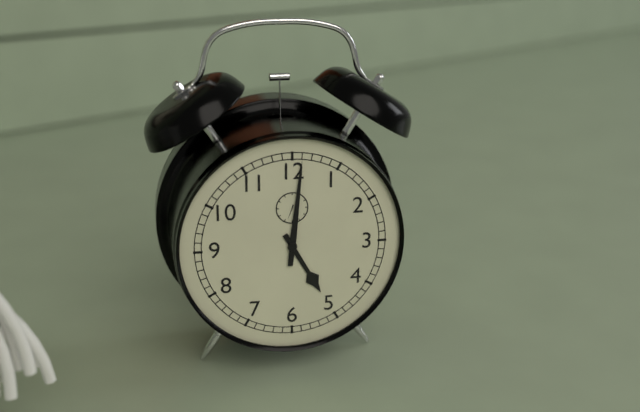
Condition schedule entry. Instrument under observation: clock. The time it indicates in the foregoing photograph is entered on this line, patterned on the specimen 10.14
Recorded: 5.01
